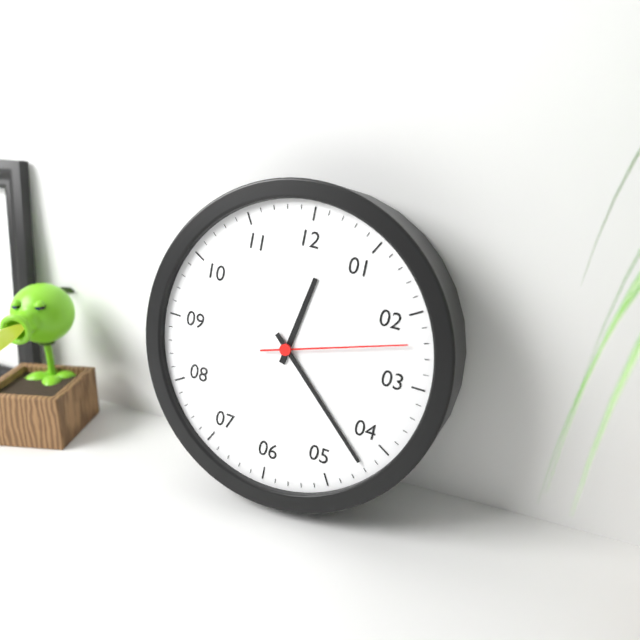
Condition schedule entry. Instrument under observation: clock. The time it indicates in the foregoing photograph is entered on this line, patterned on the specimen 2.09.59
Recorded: 12.22.12
